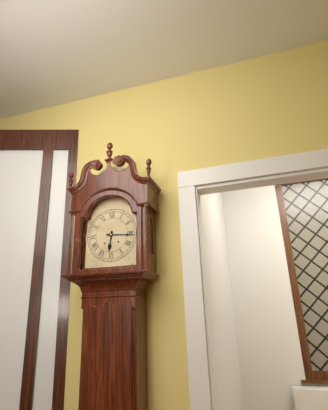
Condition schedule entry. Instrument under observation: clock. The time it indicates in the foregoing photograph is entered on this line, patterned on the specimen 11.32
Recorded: 6.16
